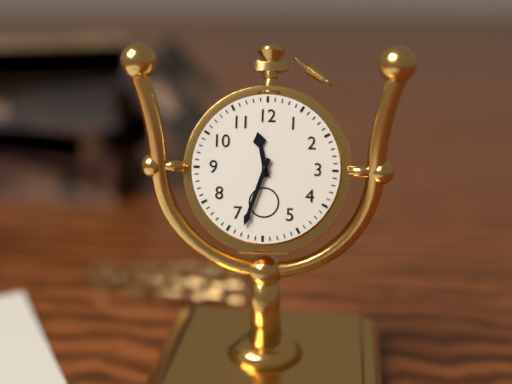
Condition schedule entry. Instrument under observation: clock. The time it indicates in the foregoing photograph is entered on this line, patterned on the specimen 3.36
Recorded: 11.33
